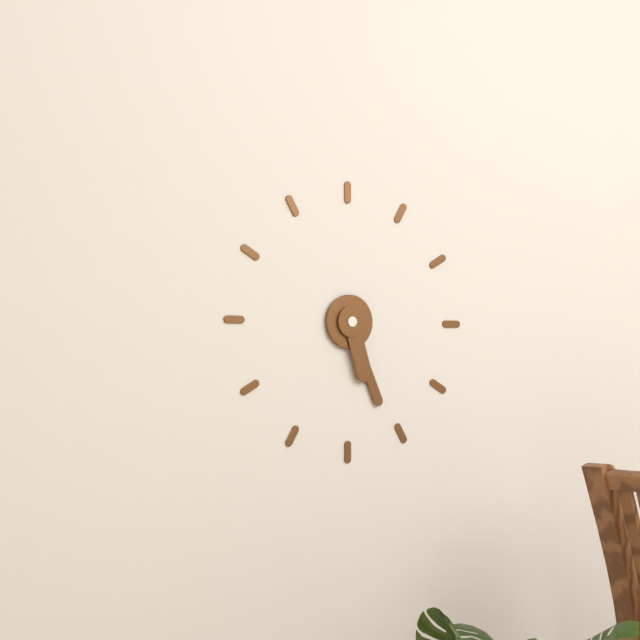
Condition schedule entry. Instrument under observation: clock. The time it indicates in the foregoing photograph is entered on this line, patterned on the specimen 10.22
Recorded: 5.26
